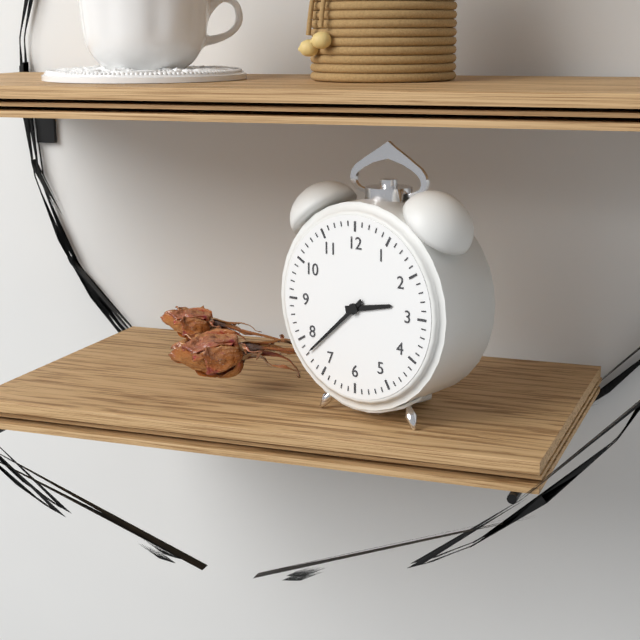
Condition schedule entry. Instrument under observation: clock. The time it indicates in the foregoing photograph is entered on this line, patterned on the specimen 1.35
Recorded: 2.38
